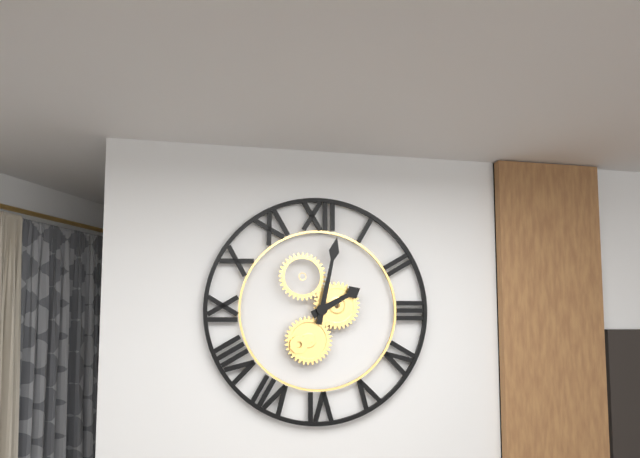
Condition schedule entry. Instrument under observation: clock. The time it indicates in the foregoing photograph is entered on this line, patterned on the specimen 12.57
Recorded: 2.02
